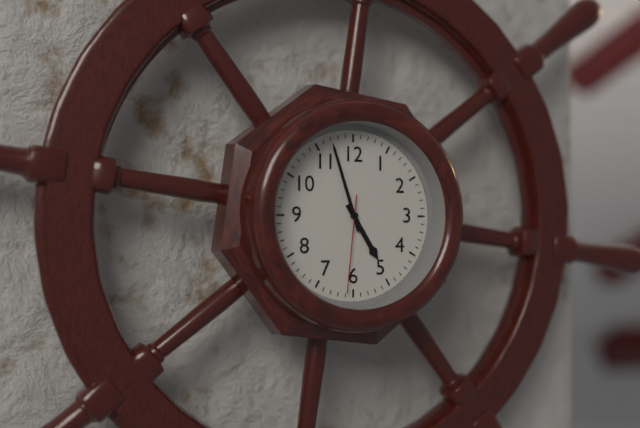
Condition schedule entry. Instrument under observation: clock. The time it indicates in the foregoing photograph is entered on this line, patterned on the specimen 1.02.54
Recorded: 4.57.31
